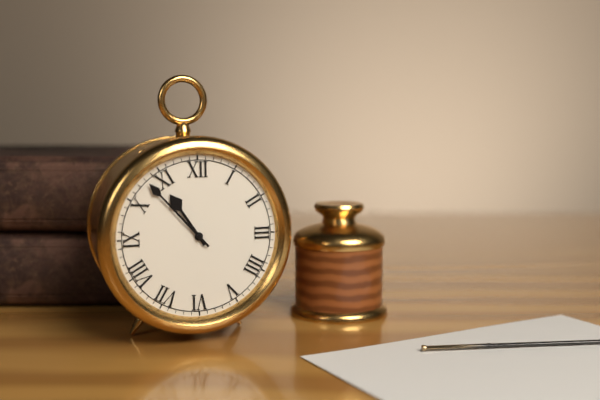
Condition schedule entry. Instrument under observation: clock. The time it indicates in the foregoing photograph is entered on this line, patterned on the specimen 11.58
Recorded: 10.53
